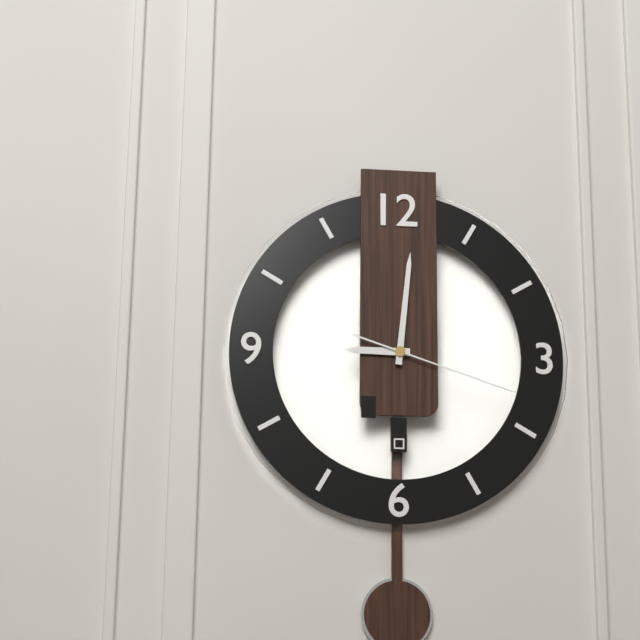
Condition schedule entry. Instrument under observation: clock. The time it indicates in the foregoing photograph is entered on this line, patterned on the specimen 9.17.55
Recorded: 9.01.18
